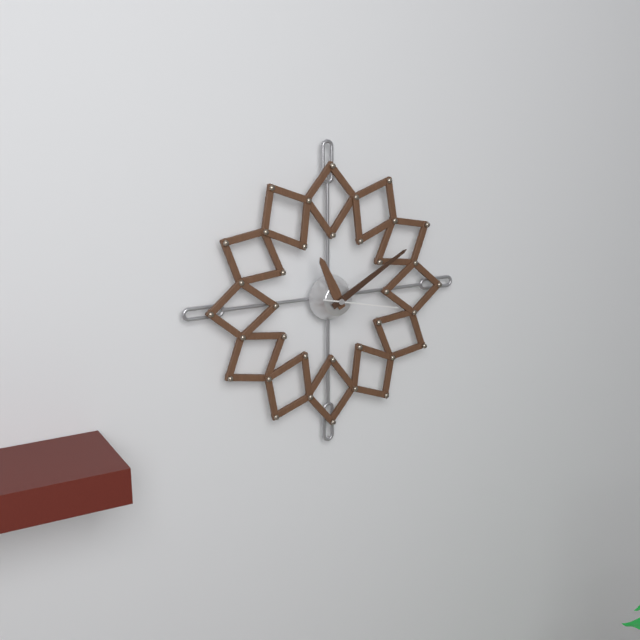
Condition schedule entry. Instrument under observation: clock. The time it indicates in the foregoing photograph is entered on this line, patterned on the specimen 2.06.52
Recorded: 11.10.17
